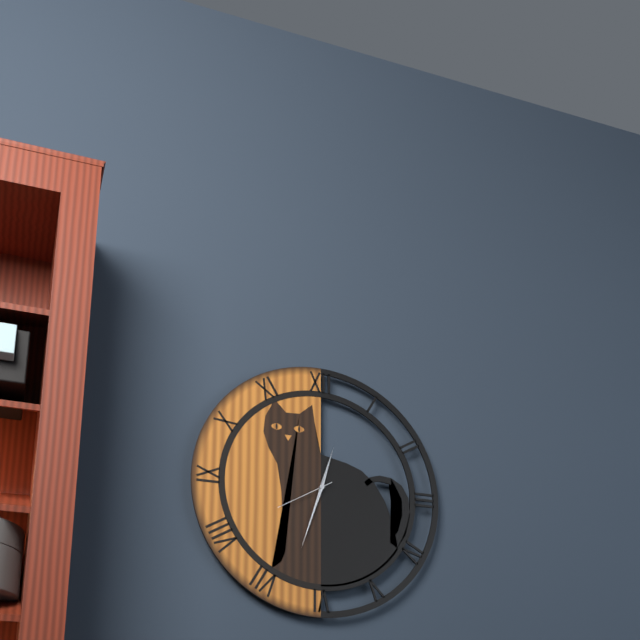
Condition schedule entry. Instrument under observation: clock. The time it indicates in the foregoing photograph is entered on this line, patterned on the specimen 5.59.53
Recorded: 12.33.40
